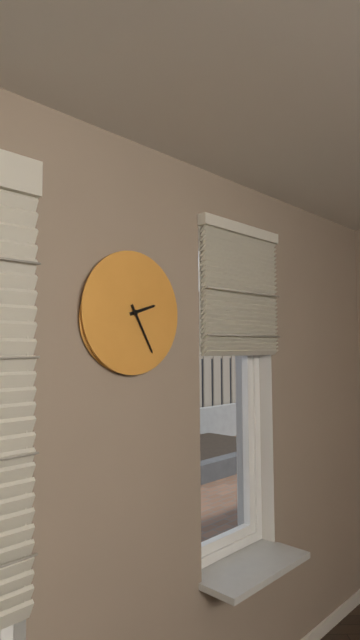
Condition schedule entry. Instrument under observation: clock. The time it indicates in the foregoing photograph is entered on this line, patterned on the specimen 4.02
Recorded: 2.25
